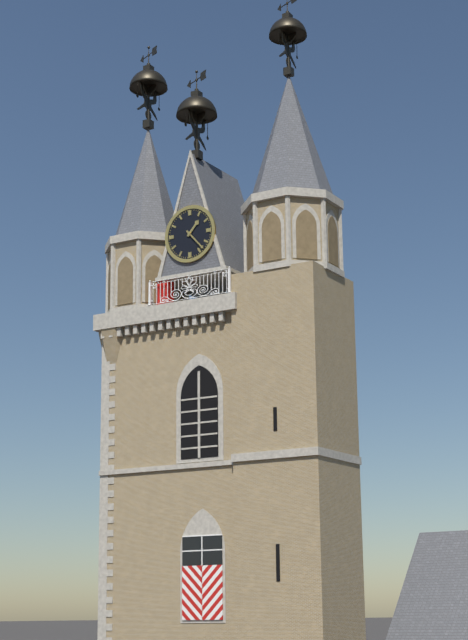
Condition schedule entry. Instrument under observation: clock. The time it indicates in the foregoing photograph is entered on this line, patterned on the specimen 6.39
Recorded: 1.23
